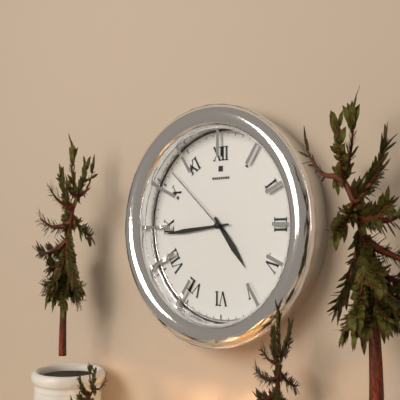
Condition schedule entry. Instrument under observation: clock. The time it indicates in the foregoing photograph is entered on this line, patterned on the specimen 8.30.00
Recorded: 4.44.52
